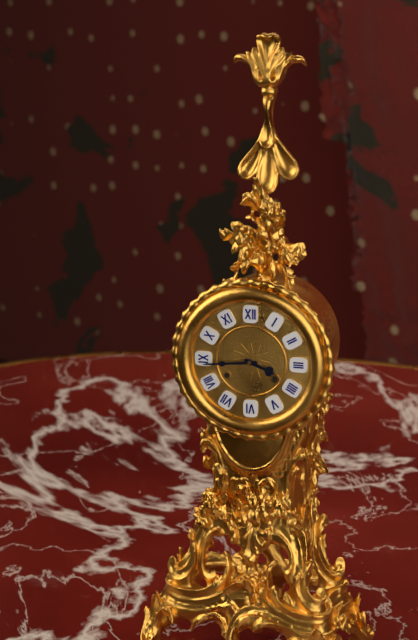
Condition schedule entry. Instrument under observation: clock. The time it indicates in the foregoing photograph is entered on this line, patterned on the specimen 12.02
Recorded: 3.44
